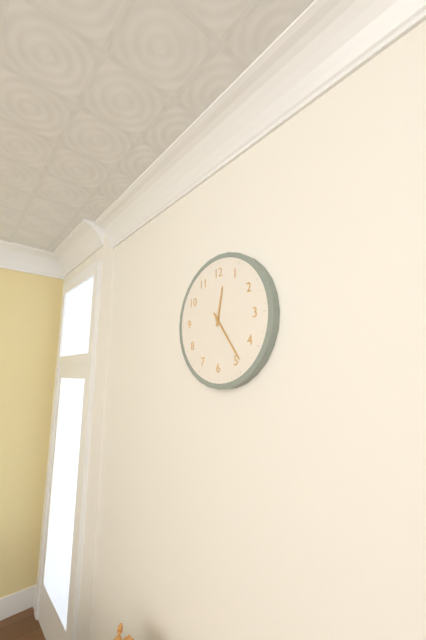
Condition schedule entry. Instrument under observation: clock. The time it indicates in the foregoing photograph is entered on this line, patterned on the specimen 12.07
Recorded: 12.24
